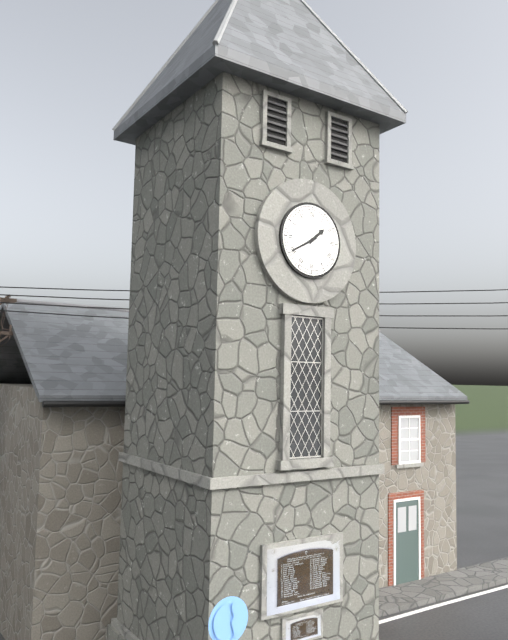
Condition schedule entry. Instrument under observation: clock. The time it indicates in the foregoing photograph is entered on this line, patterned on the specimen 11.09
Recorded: 1.40
